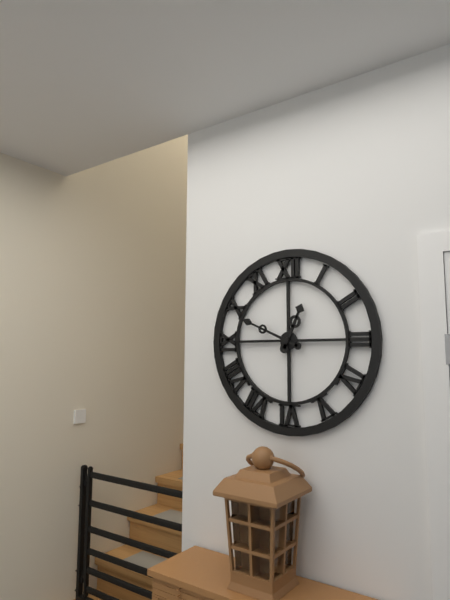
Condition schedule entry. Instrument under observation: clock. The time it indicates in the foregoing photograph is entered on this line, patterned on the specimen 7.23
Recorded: 12.49
